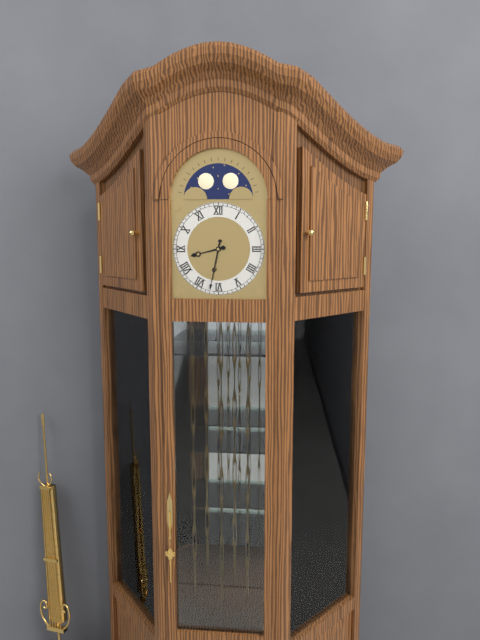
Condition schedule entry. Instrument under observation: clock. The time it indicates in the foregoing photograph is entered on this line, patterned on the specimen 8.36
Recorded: 8.32
